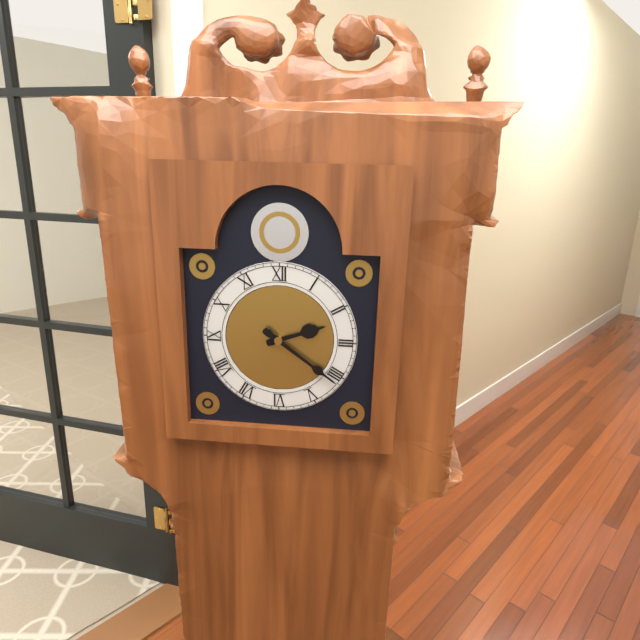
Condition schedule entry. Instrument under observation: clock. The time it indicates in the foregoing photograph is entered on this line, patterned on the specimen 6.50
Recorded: 2.21
